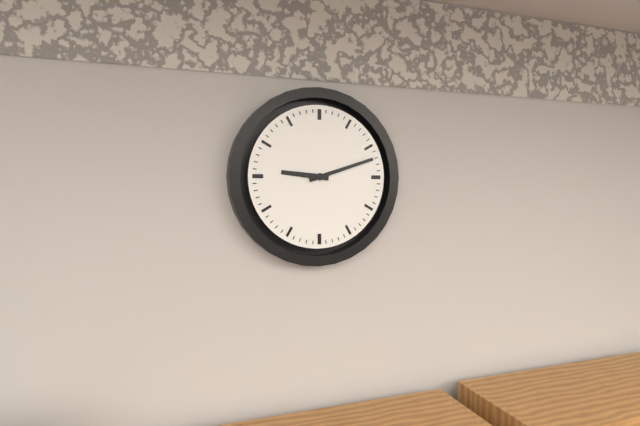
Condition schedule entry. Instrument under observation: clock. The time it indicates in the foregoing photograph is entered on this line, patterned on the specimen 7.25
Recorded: 9.12
